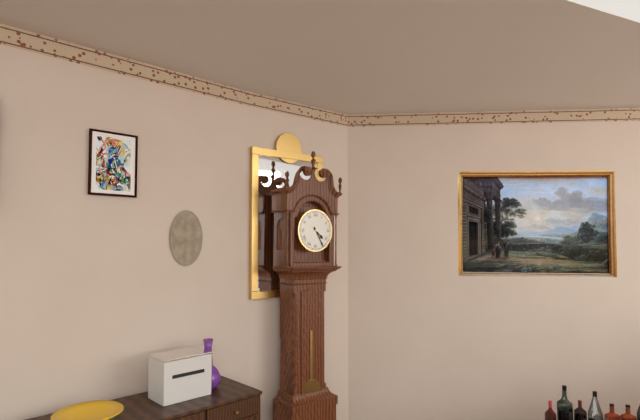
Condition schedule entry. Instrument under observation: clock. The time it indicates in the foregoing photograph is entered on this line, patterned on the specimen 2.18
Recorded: 4.25
